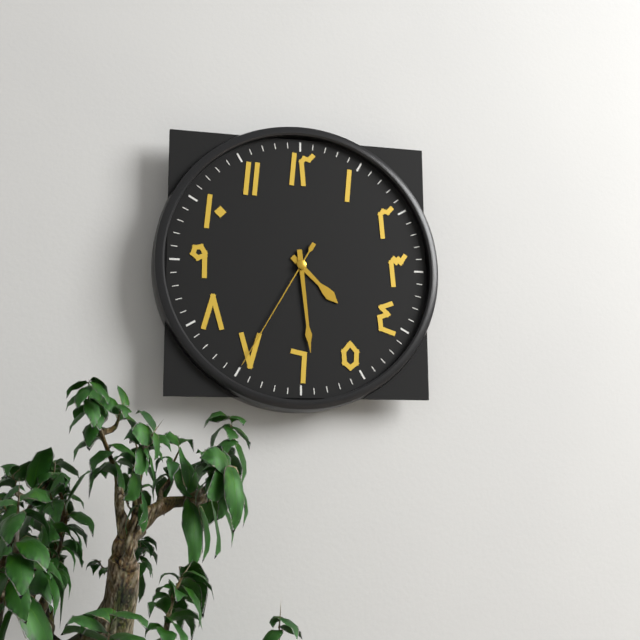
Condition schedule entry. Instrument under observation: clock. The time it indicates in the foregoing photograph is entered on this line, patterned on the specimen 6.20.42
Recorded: 4.29.35
